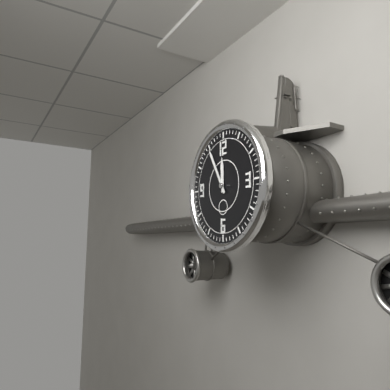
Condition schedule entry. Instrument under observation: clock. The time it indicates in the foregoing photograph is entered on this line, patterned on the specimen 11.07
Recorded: 11.55
